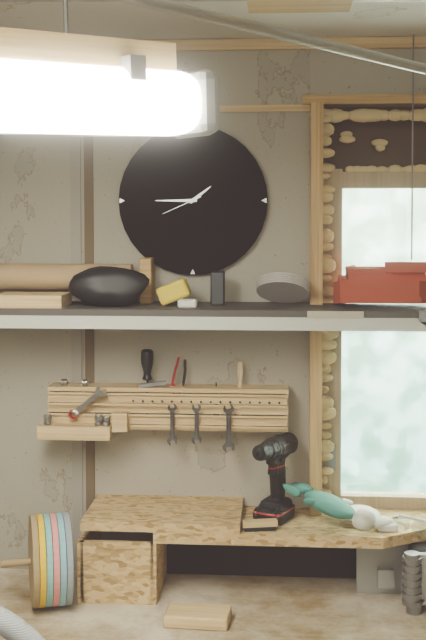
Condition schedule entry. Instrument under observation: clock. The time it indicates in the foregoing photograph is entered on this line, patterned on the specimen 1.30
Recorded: 1.45
